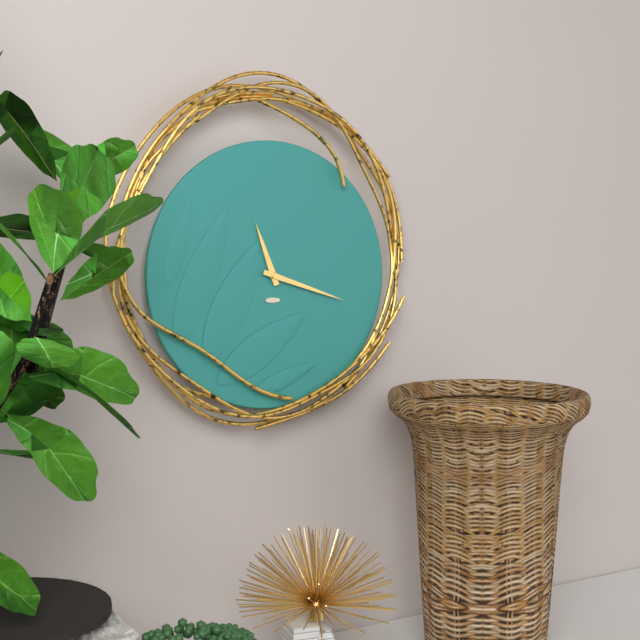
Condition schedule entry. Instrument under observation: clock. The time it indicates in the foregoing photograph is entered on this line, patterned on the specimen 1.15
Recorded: 11.18
